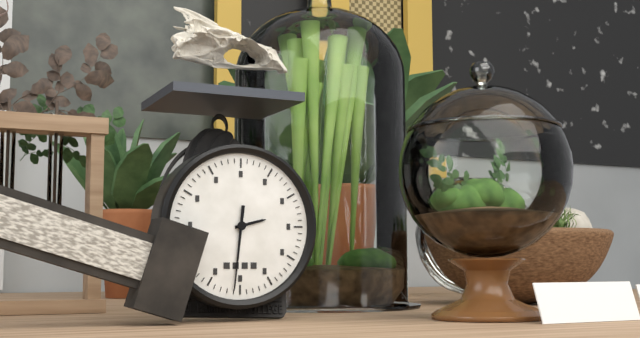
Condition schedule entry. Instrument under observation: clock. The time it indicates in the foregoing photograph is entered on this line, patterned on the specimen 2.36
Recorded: 2.31
